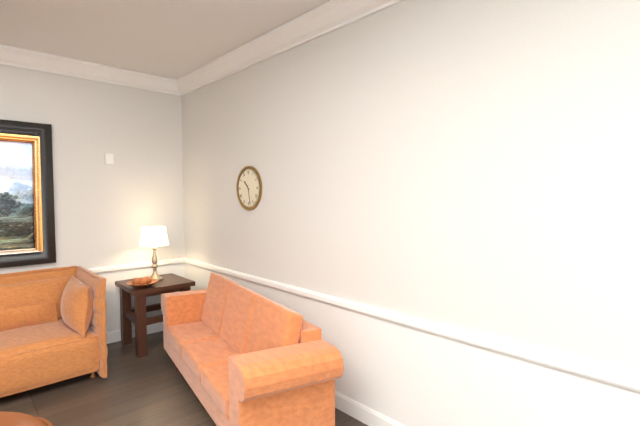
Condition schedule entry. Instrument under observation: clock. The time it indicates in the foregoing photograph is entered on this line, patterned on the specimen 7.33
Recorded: 10.28
